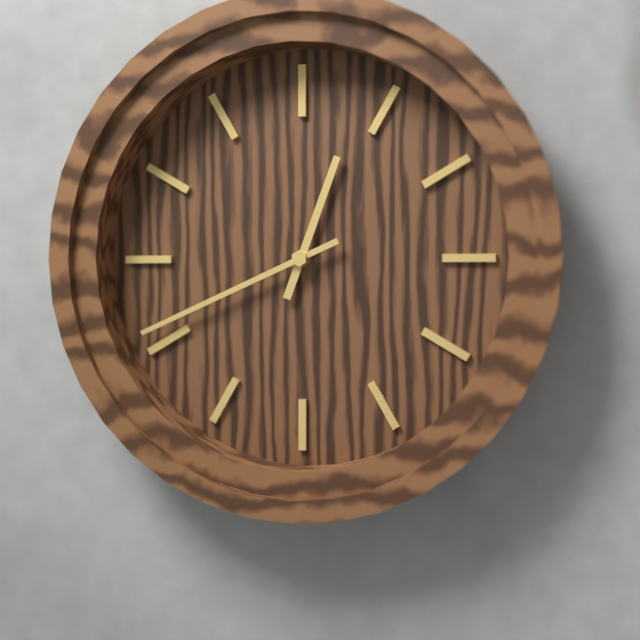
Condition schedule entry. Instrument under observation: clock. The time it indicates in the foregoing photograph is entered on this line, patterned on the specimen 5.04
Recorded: 12.41
